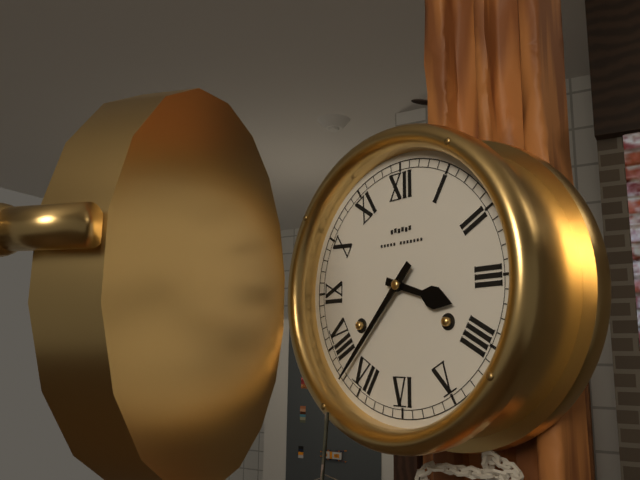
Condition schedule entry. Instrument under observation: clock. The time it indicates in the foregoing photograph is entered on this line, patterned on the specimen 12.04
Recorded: 3.37
